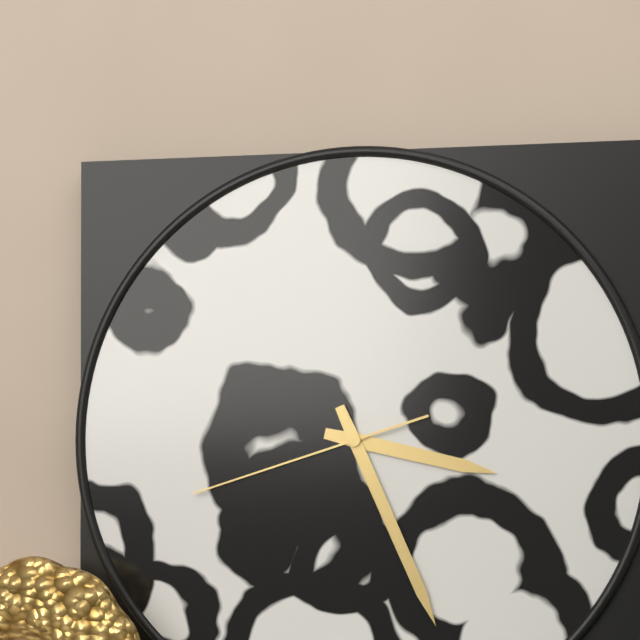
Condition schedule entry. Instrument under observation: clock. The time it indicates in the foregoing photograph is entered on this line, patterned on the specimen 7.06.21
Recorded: 3.26.42
